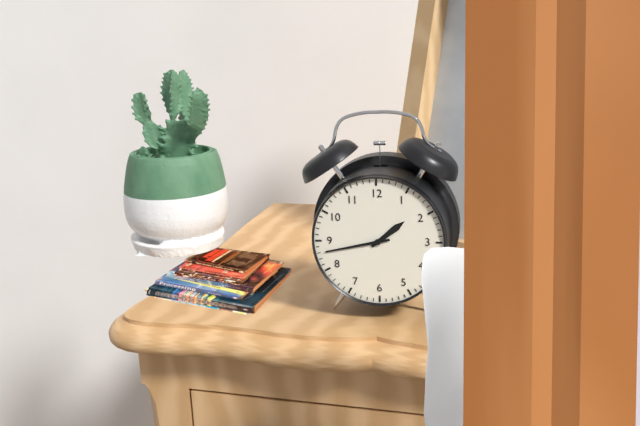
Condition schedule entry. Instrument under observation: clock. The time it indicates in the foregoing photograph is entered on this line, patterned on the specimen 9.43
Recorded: 1.43
